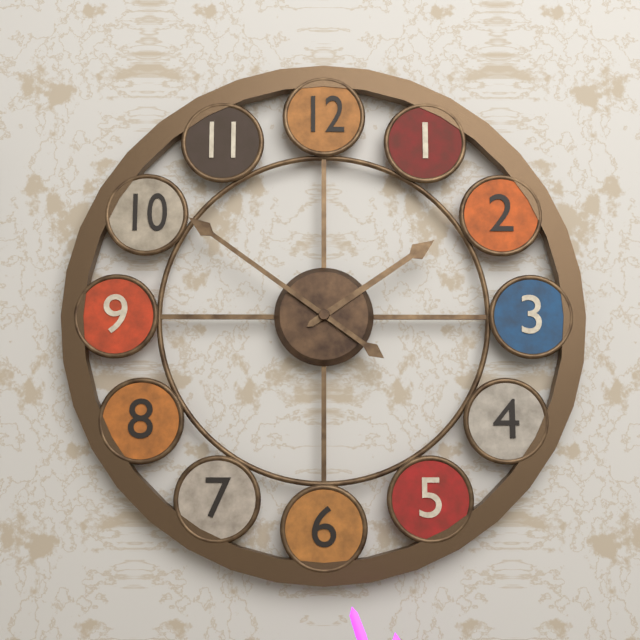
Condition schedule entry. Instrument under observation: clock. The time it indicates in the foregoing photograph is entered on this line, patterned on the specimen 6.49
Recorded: 1.51
